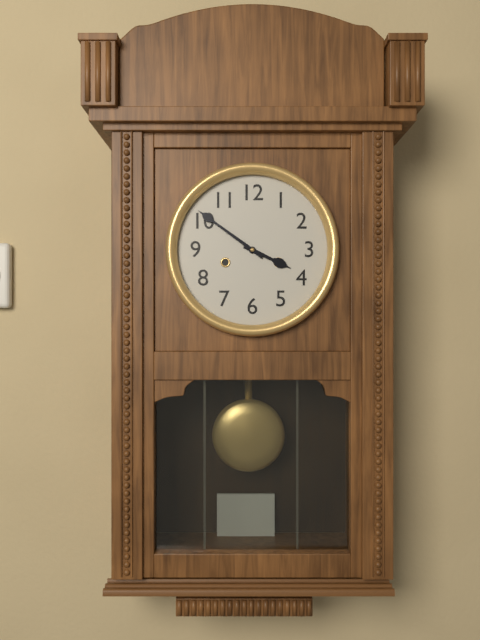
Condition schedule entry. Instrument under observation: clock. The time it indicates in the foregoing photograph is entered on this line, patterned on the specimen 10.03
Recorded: 3.51
